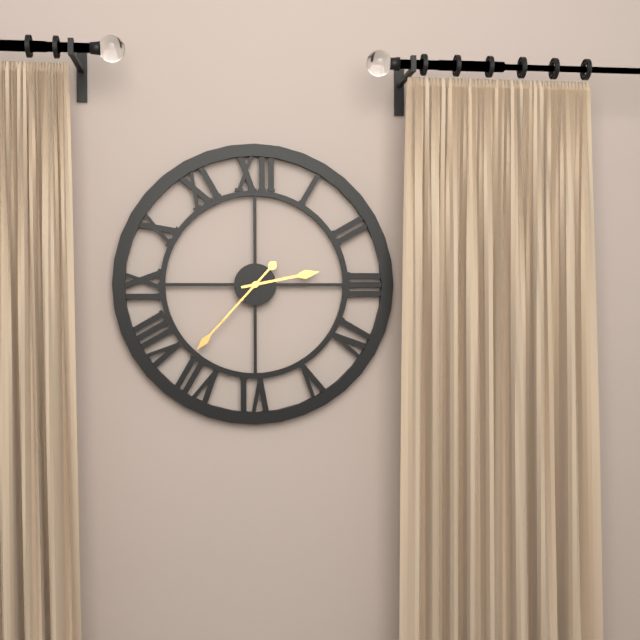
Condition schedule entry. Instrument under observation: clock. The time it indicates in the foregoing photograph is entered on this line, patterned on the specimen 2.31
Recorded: 2.37
